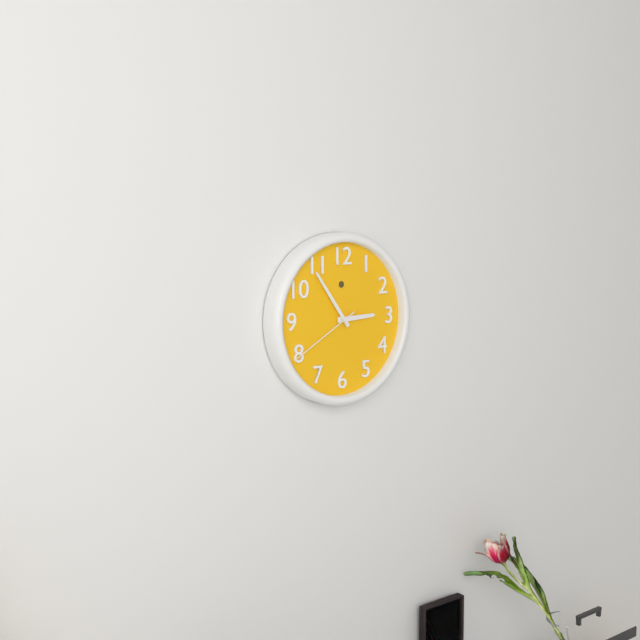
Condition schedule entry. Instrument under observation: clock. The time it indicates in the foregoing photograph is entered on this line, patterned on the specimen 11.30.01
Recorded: 2.54.40
